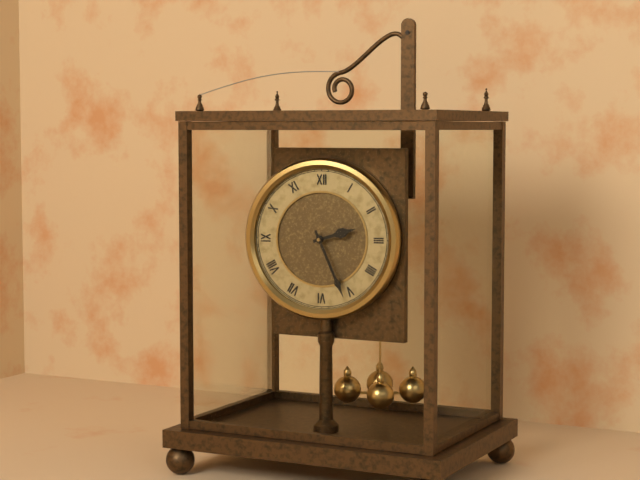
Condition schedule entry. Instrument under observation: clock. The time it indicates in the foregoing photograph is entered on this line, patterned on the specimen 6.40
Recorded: 2.26
